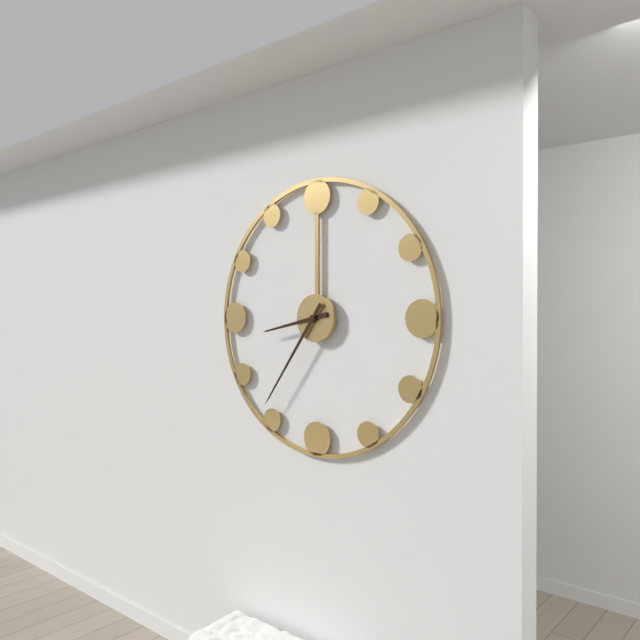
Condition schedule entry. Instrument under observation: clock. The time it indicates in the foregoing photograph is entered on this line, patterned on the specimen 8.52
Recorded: 8.36
